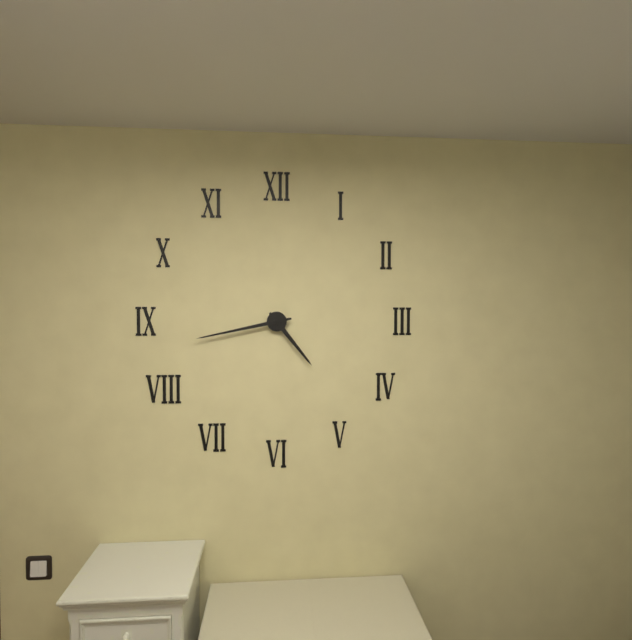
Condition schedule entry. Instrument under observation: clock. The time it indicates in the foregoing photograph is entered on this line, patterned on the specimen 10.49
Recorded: 4.43
